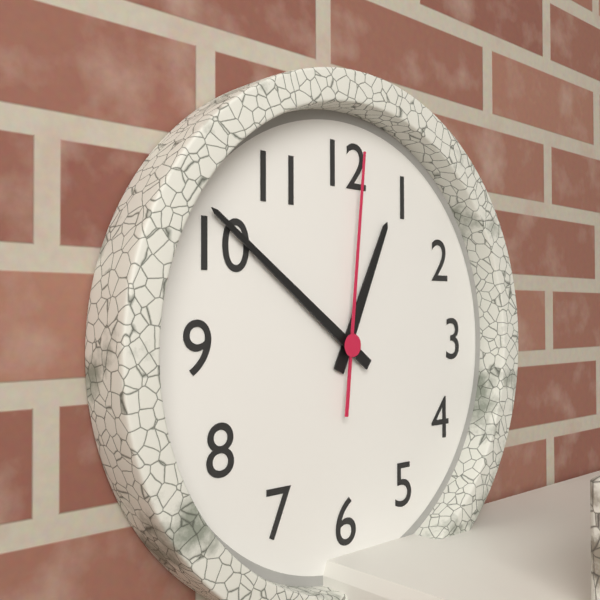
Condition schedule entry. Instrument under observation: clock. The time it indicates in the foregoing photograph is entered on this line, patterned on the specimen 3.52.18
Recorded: 12.51.01
